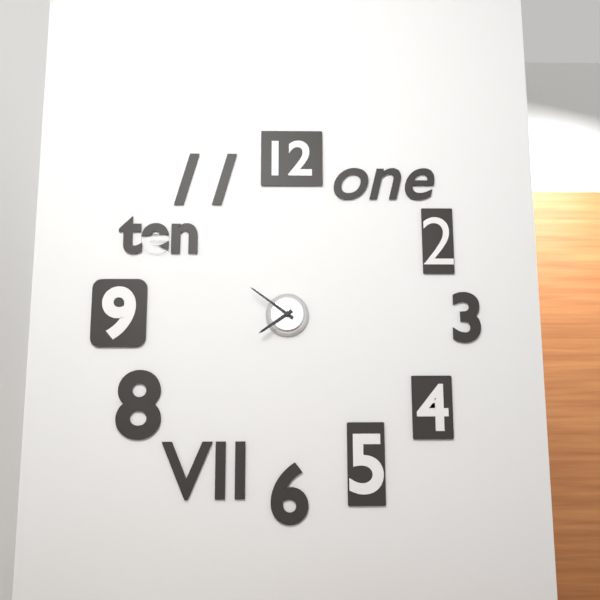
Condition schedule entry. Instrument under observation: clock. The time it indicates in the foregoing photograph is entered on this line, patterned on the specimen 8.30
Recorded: 7.51
